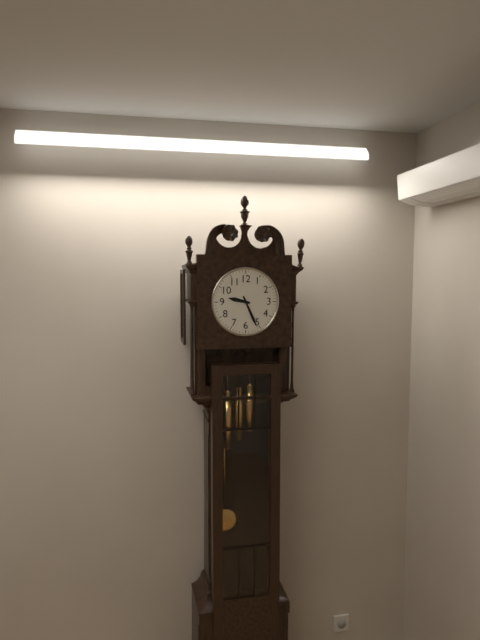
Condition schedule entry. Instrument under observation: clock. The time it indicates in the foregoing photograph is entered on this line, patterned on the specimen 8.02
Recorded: 9.26
